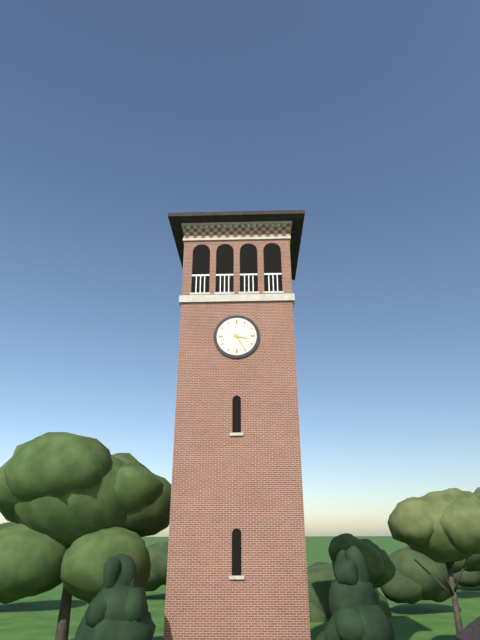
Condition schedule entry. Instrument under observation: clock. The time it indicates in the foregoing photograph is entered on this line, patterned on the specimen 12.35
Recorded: 3.25
